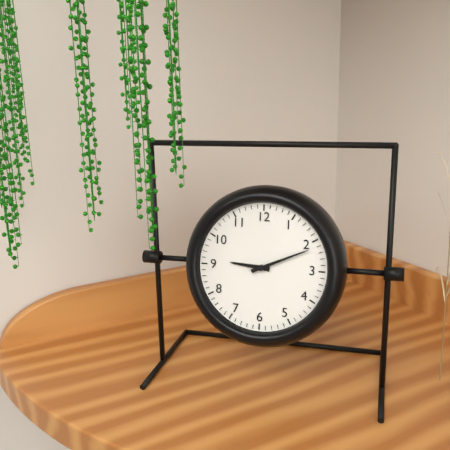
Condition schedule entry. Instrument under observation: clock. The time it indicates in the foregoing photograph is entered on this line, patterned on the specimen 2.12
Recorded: 9.11
